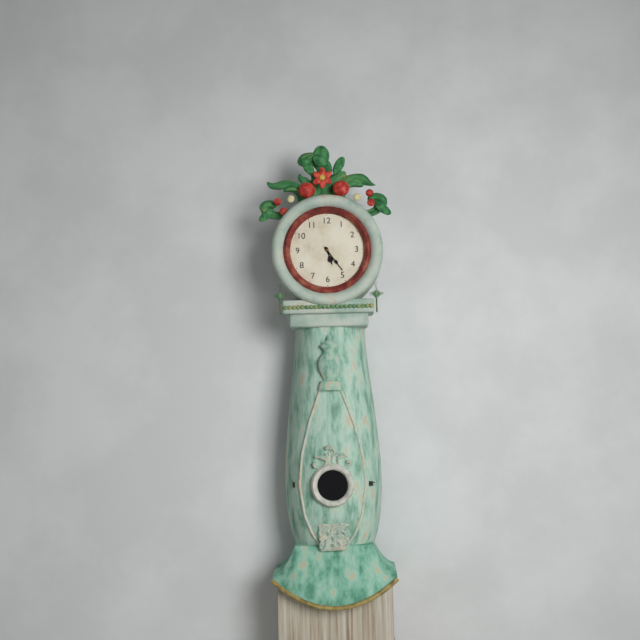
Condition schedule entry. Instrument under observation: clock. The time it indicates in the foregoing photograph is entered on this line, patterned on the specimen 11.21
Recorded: 5.24
